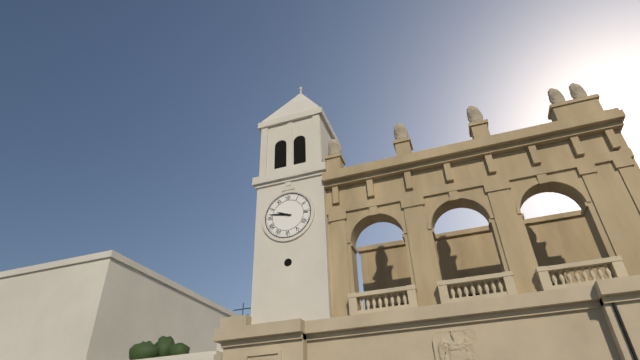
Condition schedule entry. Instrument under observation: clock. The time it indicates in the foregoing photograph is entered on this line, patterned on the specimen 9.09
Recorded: 9.47
